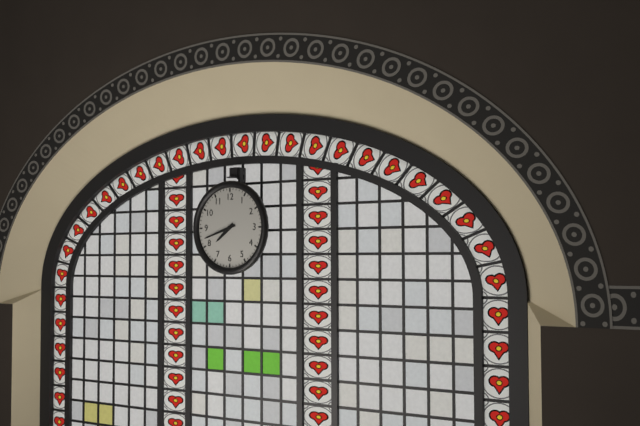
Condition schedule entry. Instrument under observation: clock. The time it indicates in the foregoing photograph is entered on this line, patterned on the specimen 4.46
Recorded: 7.42
